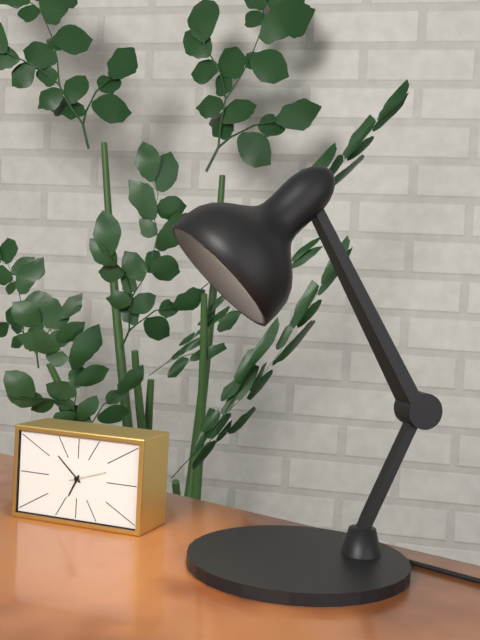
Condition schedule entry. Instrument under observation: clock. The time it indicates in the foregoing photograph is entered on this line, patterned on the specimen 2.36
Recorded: 6.52
